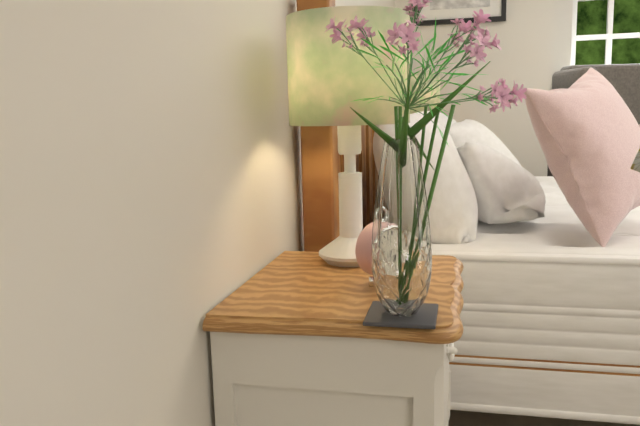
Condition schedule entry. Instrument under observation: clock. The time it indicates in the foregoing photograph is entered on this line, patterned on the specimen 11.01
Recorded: 6.39
